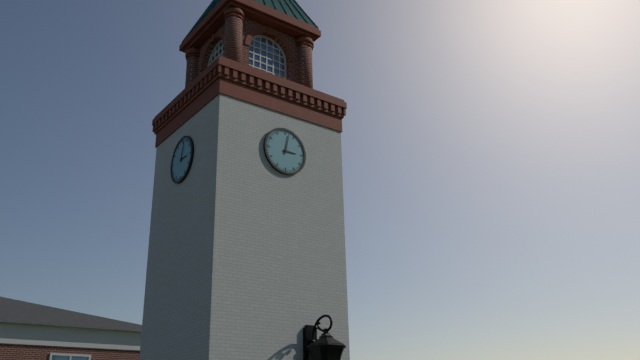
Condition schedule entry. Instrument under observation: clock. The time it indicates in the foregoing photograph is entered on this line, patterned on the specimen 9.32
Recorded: 3.02
